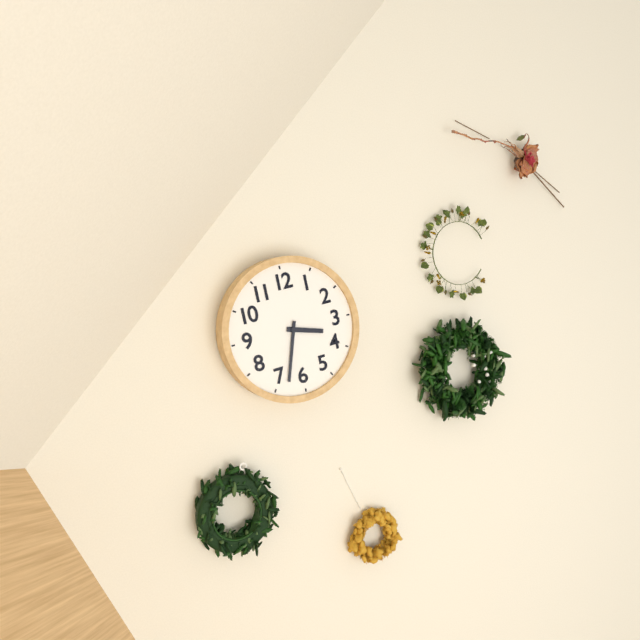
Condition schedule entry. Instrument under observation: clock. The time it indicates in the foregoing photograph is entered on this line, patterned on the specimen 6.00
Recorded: 3.33
